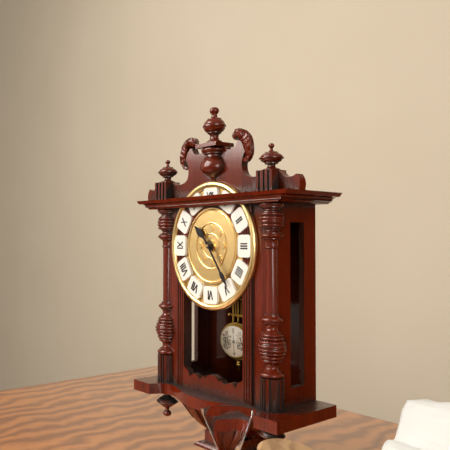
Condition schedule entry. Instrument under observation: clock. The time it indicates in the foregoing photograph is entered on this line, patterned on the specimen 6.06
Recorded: 10.24
